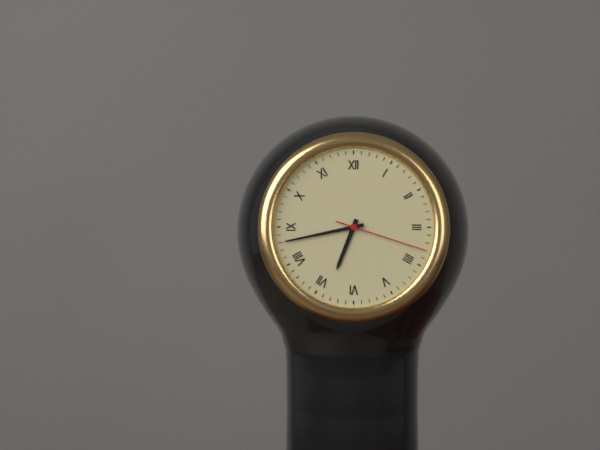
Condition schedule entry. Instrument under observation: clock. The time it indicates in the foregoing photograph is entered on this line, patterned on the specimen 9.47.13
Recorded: 6.43.18
